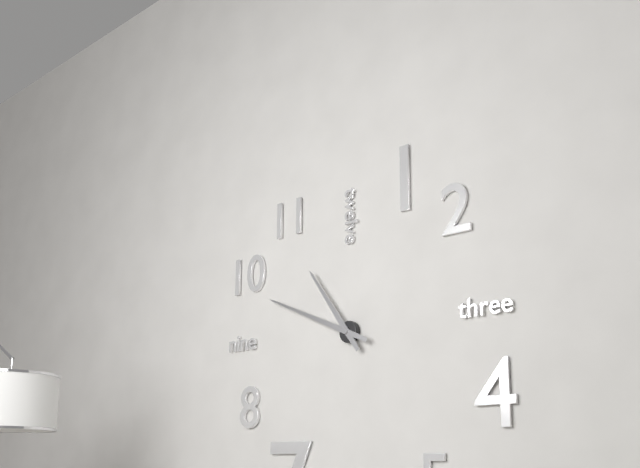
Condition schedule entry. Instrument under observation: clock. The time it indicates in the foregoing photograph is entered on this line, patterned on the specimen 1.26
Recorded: 10.49
